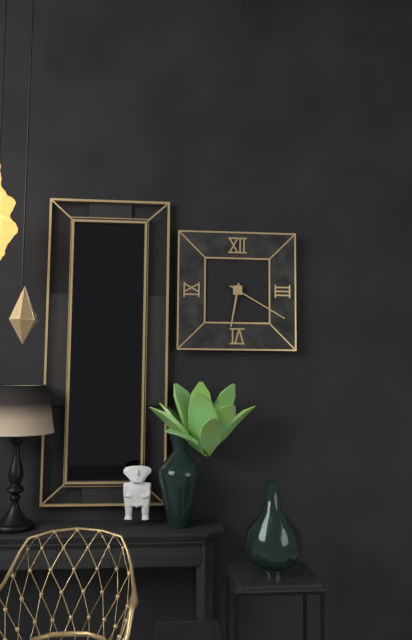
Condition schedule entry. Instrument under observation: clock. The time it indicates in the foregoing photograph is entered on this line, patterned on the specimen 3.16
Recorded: 6.20
